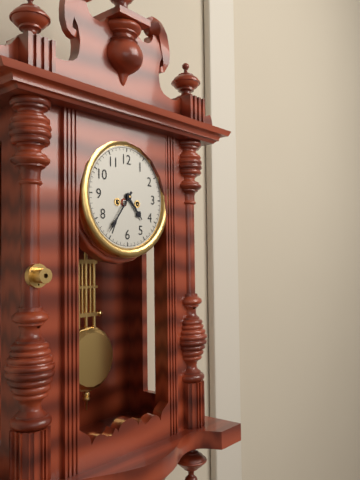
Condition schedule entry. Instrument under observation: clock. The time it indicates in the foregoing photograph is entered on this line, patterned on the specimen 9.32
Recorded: 4.36
